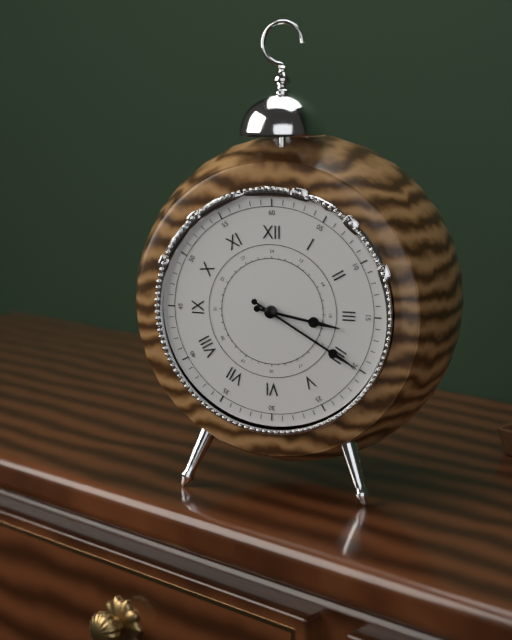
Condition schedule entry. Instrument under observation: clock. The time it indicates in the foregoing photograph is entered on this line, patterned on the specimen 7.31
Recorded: 3.20
